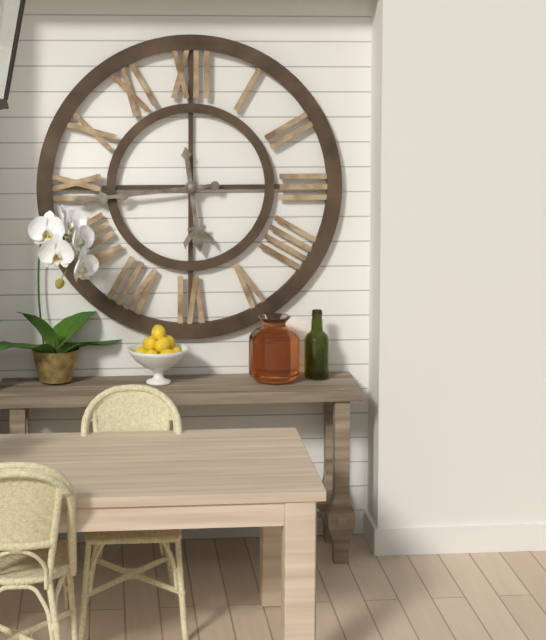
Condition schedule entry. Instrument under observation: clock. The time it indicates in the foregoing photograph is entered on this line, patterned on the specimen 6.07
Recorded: 5.44
